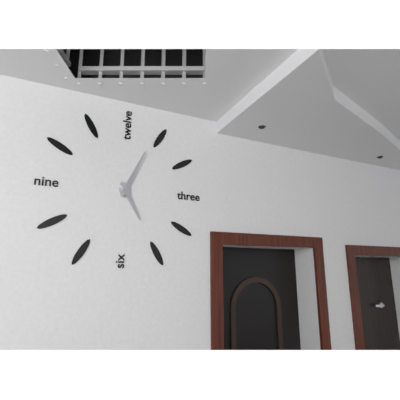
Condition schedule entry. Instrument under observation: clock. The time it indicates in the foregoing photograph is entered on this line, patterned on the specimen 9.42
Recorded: 5.04
